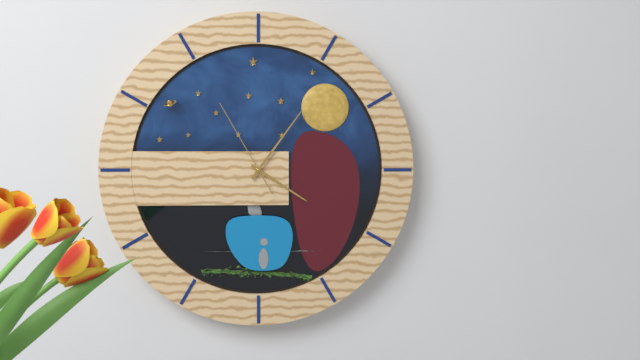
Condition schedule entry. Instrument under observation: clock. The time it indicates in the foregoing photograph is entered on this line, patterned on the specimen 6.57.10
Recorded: 4.06.55
